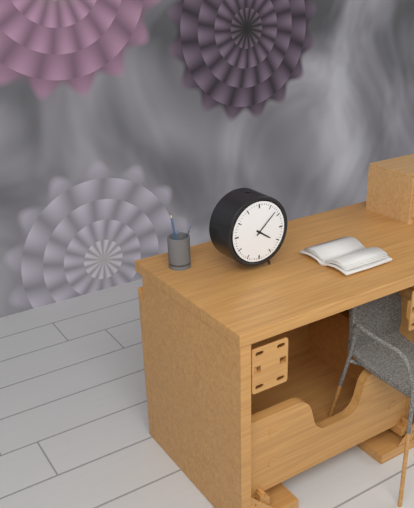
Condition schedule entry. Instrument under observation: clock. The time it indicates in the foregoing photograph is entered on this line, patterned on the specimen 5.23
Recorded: 4.08
